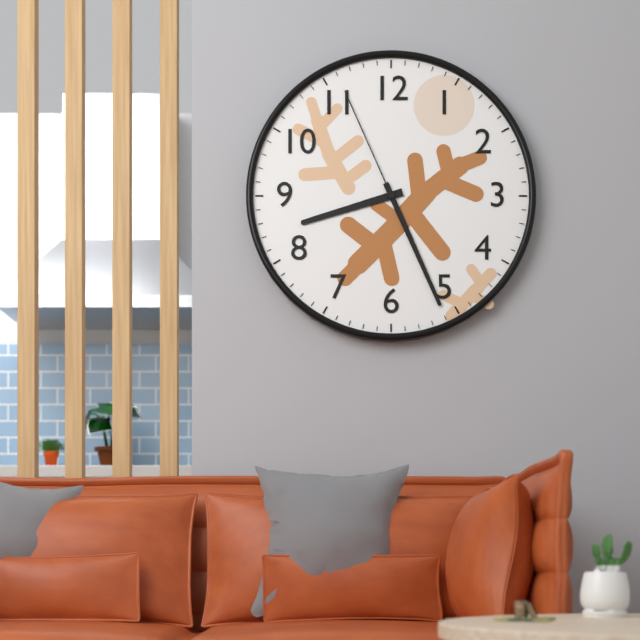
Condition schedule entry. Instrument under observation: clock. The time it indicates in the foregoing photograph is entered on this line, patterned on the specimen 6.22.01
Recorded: 8.26.56
